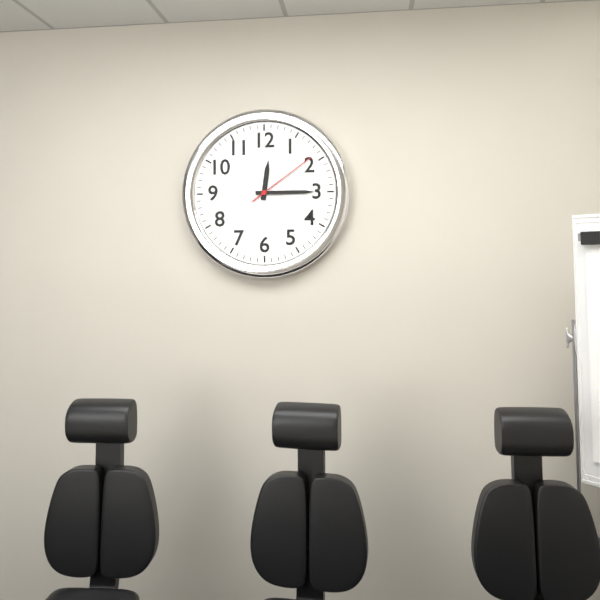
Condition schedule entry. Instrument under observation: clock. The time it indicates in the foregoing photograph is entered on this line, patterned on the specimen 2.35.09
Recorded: 12.15.09
